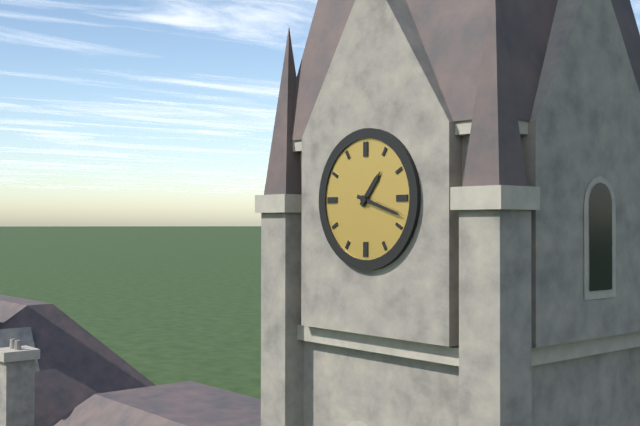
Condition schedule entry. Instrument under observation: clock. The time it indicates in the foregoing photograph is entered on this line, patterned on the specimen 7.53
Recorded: 1.18
